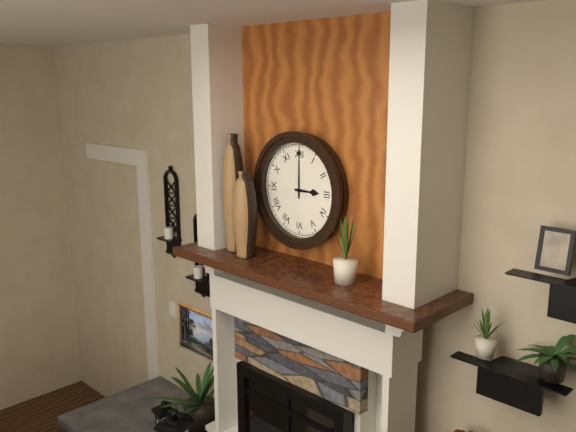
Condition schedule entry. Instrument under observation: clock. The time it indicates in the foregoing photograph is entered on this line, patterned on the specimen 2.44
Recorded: 3.00
